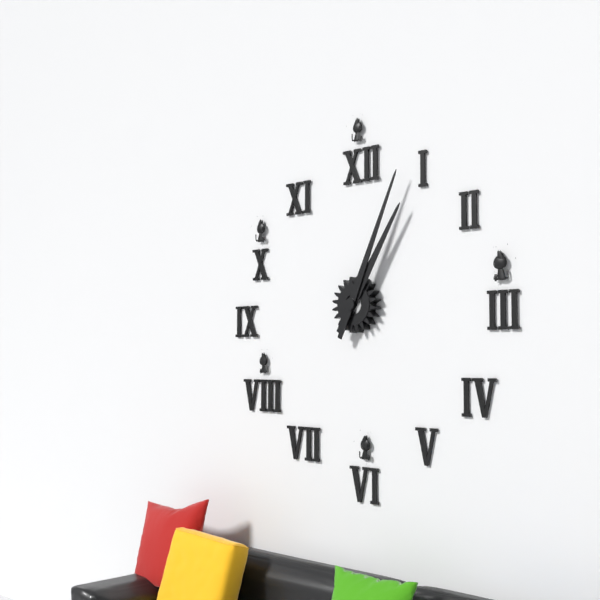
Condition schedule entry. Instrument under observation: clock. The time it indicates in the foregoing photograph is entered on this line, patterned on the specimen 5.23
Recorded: 1.04
